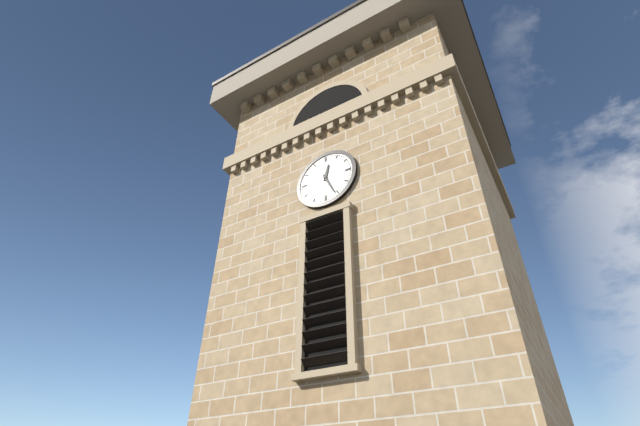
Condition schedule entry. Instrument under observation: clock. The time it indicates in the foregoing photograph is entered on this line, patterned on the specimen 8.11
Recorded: 12.26
